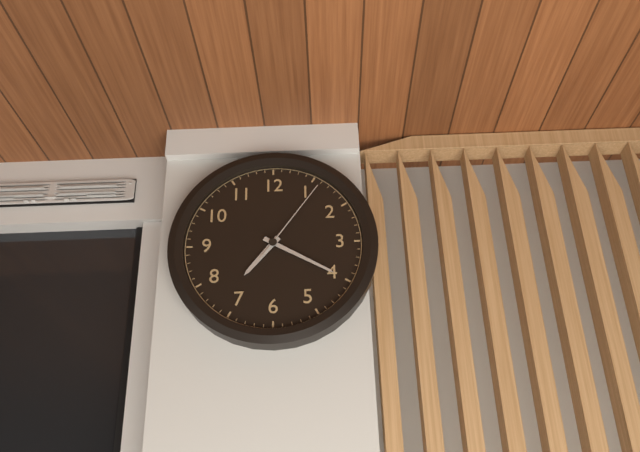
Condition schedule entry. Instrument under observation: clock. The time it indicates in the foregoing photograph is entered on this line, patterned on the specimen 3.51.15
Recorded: 7.20.06
